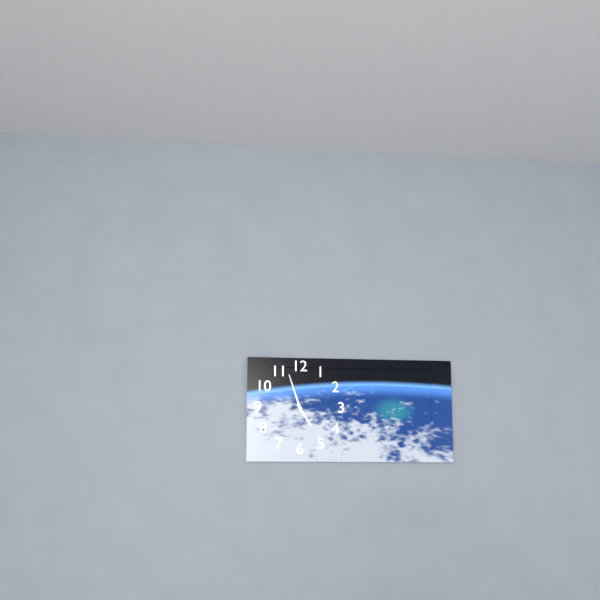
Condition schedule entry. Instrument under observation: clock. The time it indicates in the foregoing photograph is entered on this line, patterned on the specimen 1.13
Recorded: 4.57
